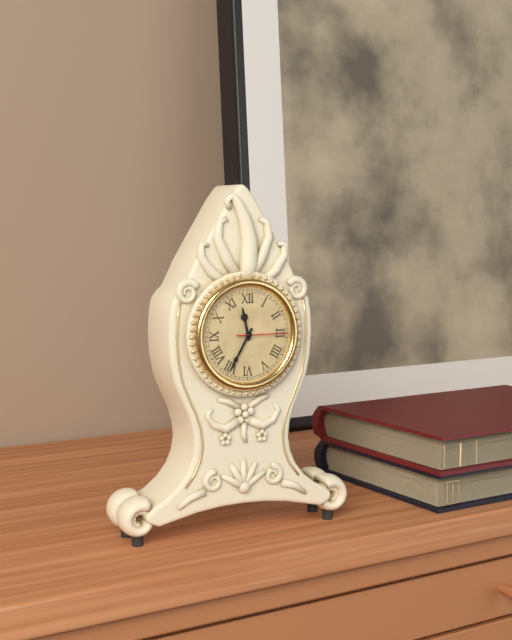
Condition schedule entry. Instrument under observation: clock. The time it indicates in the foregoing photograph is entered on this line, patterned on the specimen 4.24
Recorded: 11.35
